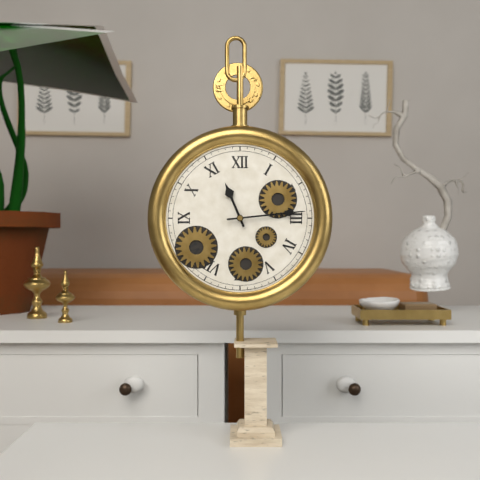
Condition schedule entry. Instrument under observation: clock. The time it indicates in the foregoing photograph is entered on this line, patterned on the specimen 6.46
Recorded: 11.14
